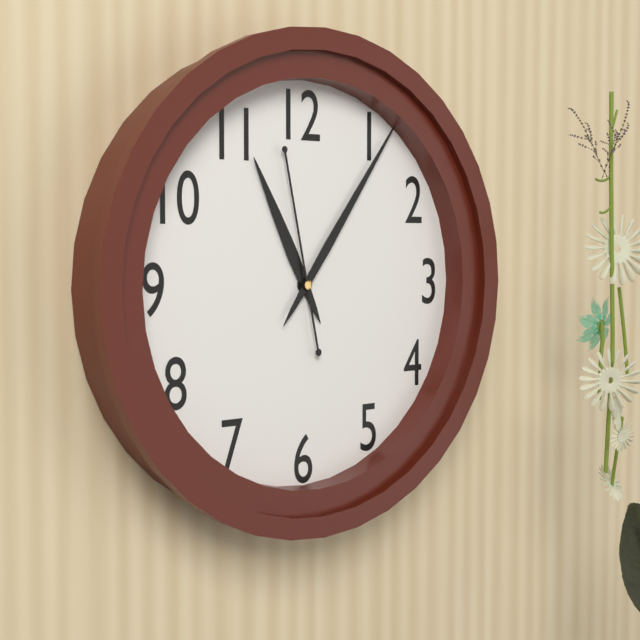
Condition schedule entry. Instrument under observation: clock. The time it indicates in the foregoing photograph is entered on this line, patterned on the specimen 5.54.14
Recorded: 11.06.58
